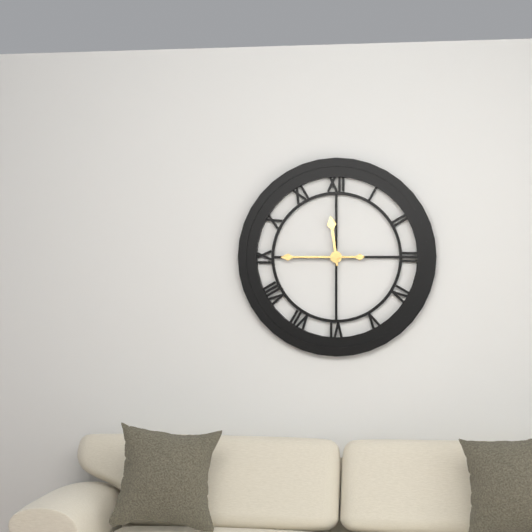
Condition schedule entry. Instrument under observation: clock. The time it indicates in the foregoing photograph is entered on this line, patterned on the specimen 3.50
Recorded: 11.45
